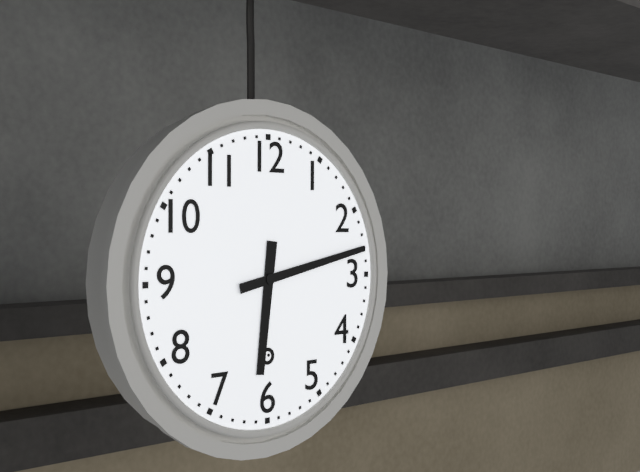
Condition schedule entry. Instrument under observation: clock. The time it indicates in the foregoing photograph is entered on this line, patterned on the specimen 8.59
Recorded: 6.13
